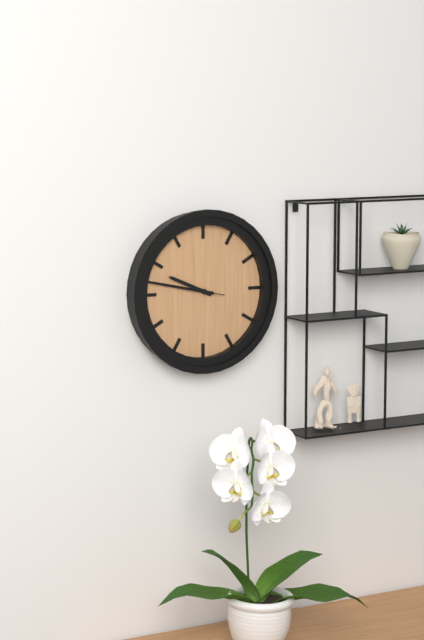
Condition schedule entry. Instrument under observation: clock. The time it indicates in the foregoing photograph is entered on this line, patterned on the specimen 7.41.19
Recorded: 9.47.47
